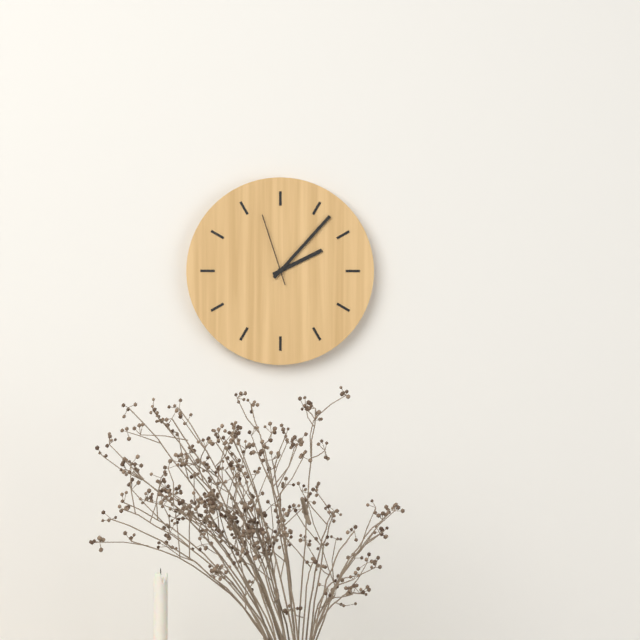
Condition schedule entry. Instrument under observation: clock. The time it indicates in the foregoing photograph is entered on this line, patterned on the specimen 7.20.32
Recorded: 2.07.57
